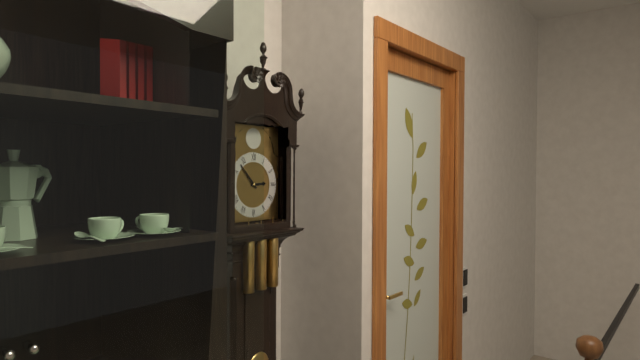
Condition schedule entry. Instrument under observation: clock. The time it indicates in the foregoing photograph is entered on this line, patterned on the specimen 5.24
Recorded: 2.53
